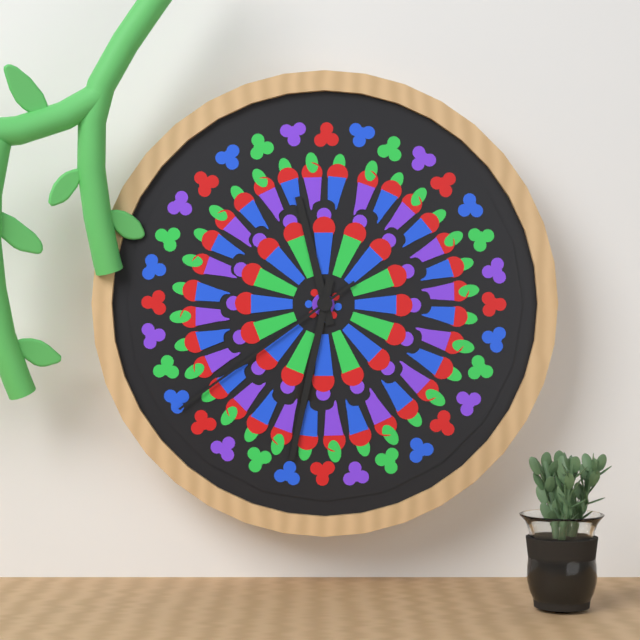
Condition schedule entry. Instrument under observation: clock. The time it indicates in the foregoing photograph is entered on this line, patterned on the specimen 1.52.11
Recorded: 11.32.39
